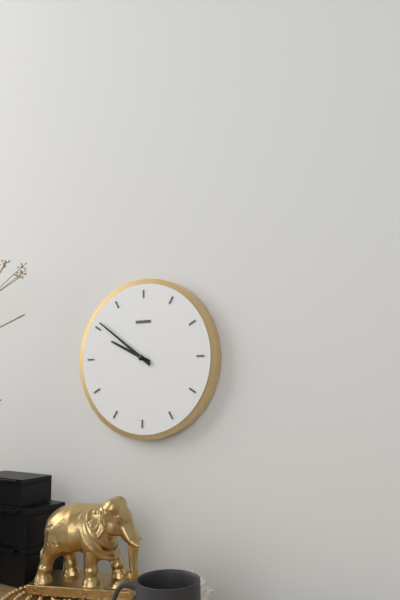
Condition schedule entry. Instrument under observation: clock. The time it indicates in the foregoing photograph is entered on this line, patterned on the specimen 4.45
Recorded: 9.51
